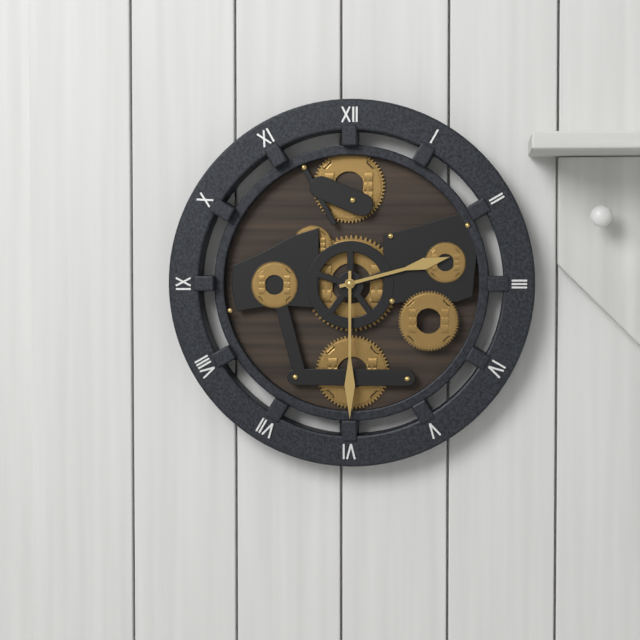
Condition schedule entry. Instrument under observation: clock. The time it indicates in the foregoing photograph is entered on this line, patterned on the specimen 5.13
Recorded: 2.30
